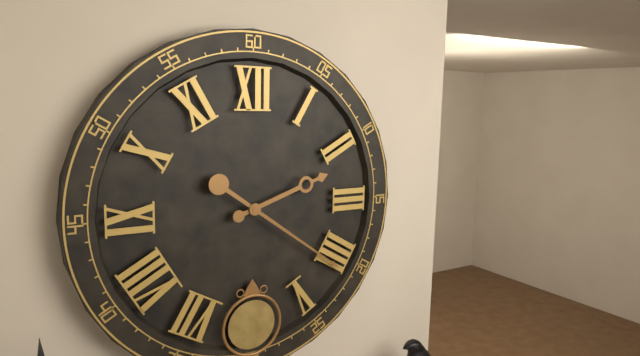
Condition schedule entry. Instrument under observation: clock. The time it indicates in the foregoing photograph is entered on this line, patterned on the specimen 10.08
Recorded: 2.21
